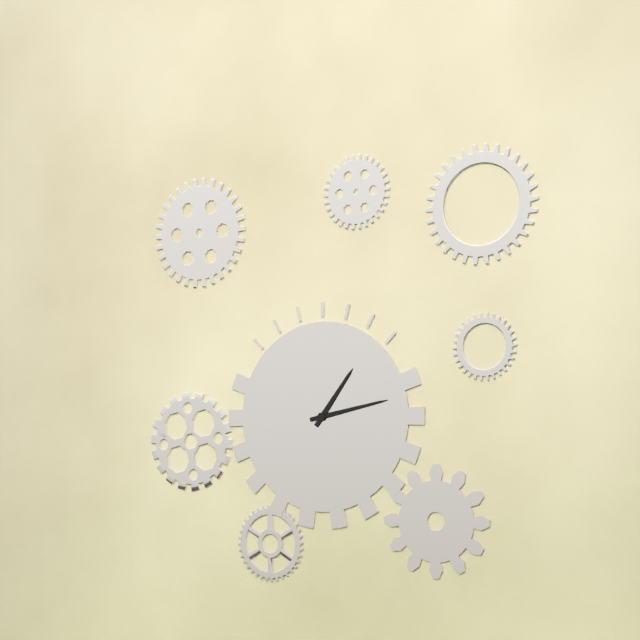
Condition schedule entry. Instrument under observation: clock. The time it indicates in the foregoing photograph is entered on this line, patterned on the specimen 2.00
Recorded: 1.13
